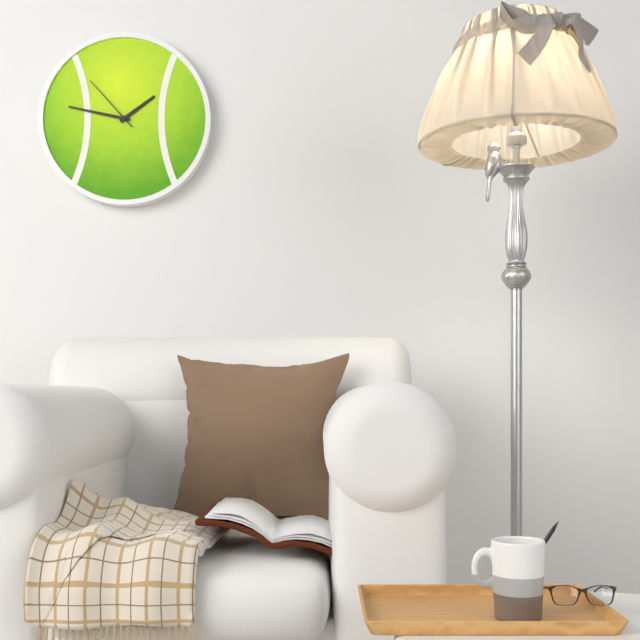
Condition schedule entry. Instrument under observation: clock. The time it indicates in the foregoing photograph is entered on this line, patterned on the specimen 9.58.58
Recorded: 1.47.53
